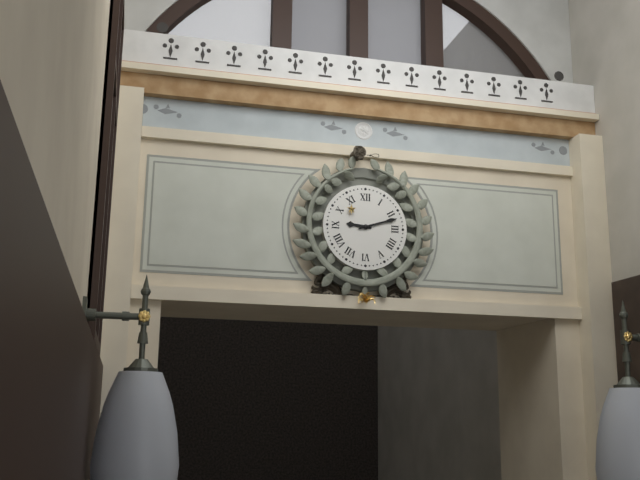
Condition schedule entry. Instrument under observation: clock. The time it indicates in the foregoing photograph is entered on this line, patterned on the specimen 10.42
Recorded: 9.12
